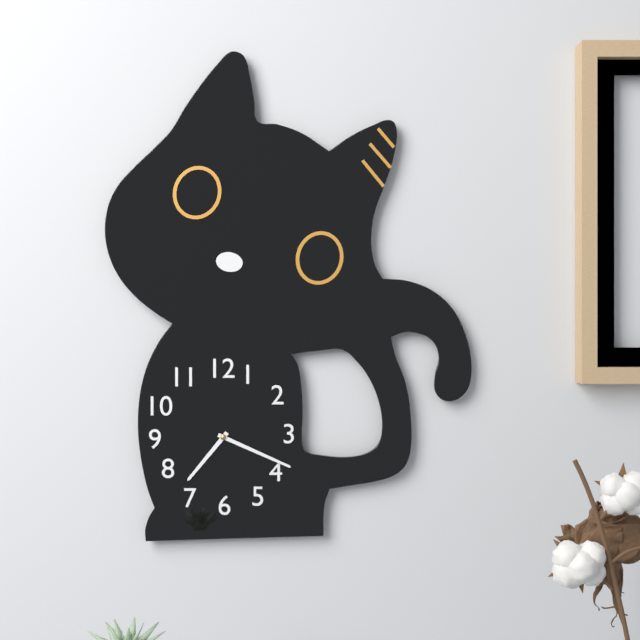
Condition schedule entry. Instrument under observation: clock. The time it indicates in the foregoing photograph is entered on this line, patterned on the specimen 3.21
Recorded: 7.19
